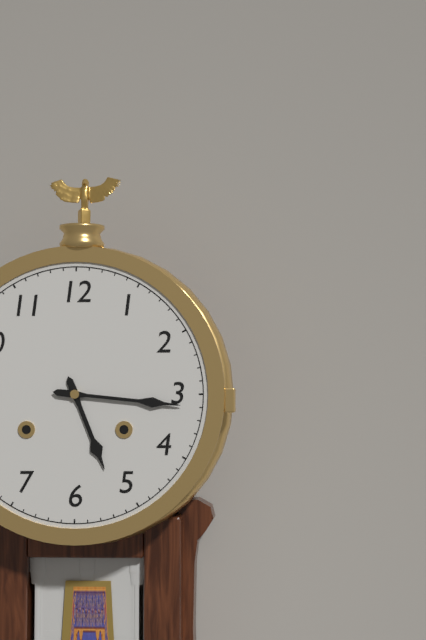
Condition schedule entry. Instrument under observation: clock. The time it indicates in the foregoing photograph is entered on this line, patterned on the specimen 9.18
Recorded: 5.16
